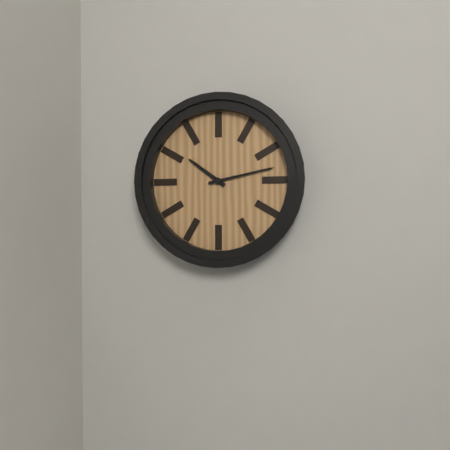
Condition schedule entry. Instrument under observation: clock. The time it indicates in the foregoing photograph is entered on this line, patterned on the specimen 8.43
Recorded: 10.13
